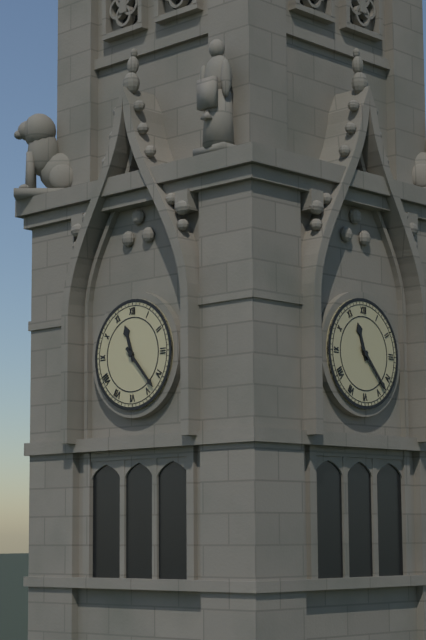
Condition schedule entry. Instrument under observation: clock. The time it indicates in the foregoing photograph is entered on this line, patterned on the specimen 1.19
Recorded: 11.23
